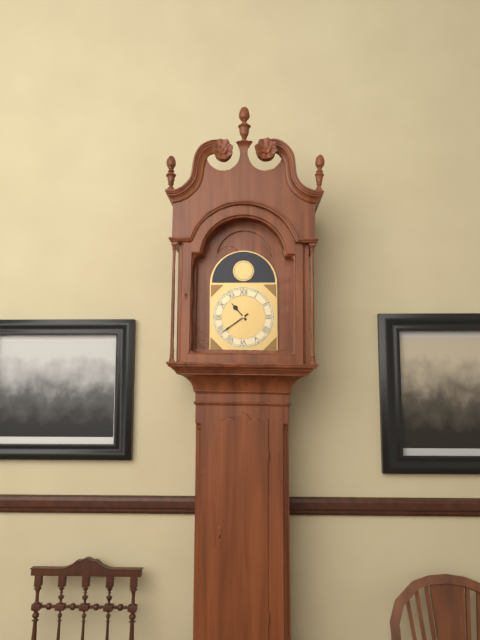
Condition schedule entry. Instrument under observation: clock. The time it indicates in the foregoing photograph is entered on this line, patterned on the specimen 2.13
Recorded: 10.39
